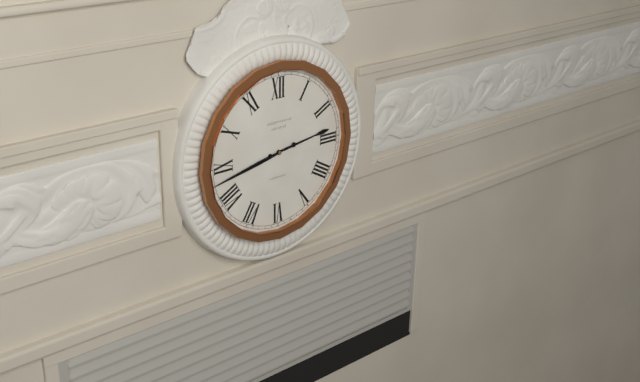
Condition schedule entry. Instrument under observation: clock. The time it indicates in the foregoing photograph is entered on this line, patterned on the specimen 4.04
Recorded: 2.43
